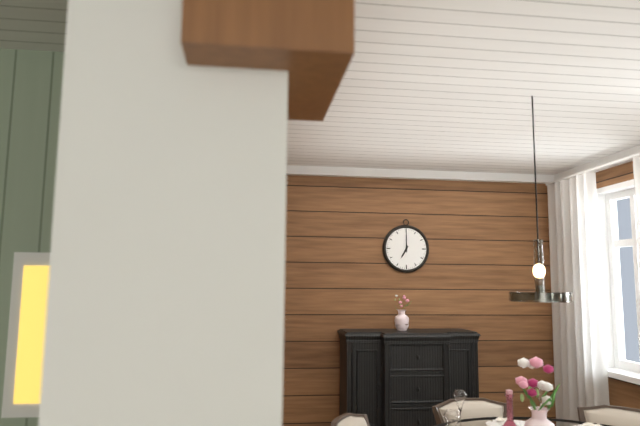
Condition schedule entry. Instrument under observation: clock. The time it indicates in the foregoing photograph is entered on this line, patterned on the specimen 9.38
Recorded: 7.00
